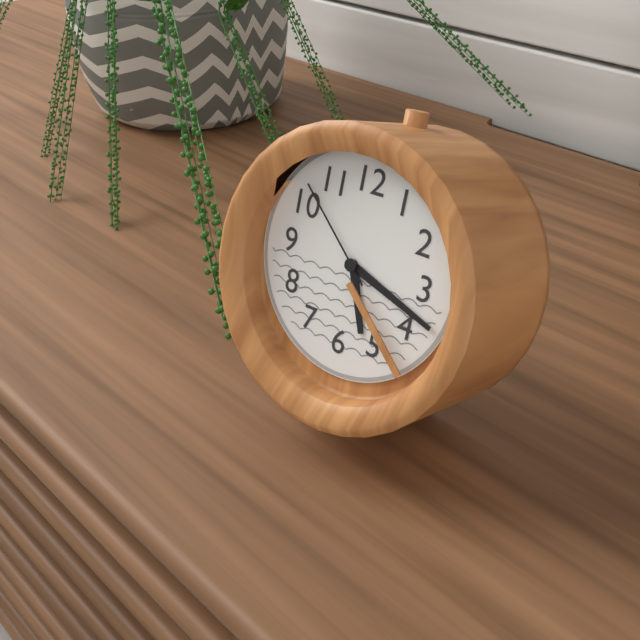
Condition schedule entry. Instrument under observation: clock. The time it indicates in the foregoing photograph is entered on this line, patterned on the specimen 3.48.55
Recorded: 5.18.52
